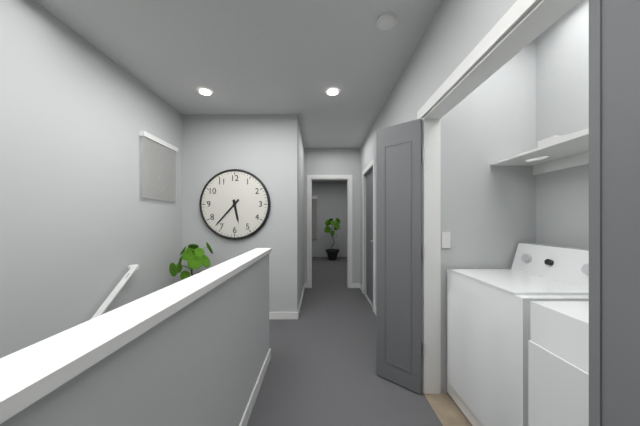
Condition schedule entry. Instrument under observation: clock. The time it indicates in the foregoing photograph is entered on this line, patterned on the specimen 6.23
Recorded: 5.37
